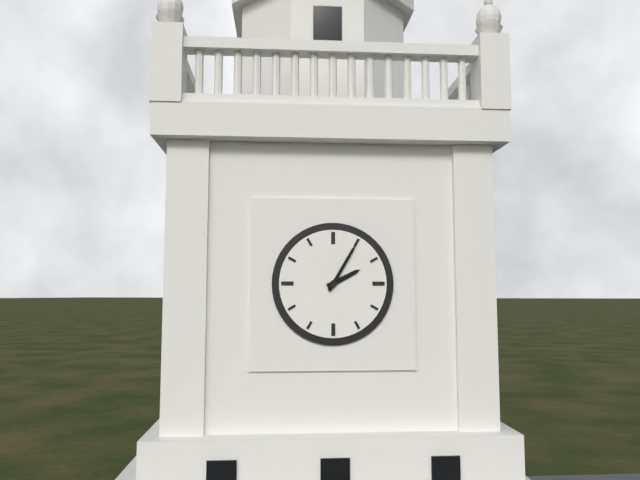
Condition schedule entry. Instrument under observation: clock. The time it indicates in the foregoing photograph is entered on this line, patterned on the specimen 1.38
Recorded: 2.05
